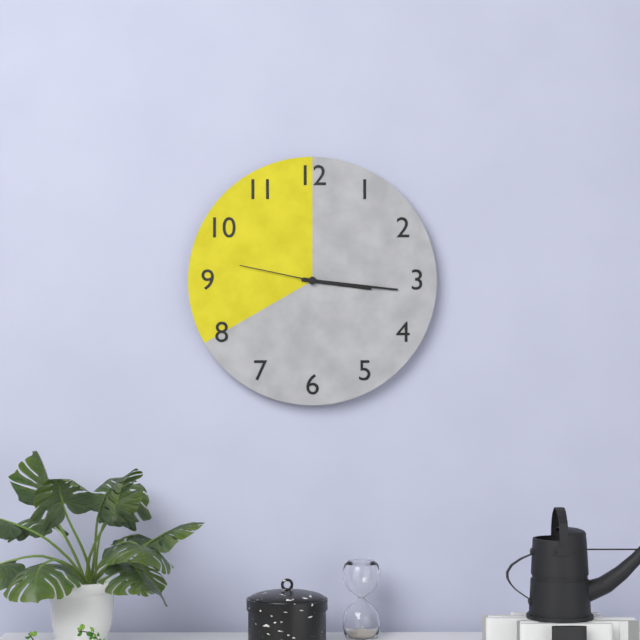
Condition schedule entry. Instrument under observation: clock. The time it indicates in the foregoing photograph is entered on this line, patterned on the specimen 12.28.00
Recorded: 3.16.47
